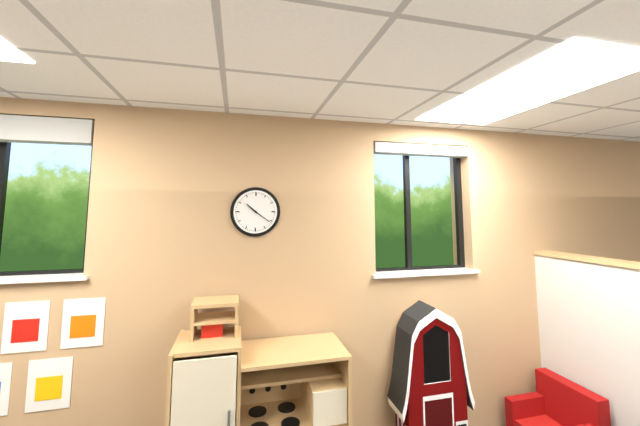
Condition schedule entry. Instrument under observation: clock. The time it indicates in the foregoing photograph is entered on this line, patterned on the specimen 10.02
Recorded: 10.21
